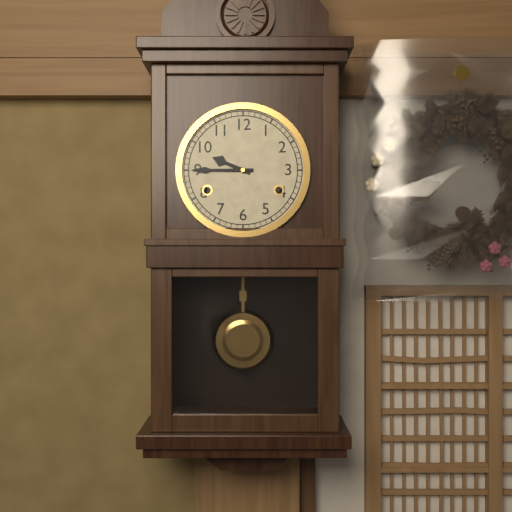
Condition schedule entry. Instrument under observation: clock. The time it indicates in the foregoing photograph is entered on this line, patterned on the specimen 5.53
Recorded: 9.45
